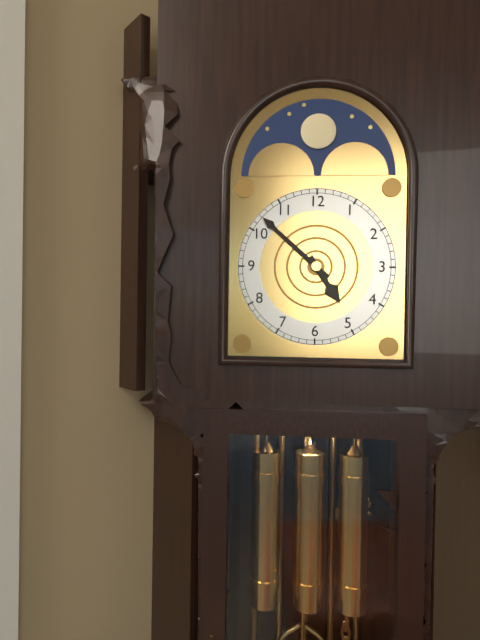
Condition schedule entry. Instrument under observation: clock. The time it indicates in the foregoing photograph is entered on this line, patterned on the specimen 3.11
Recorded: 4.52
